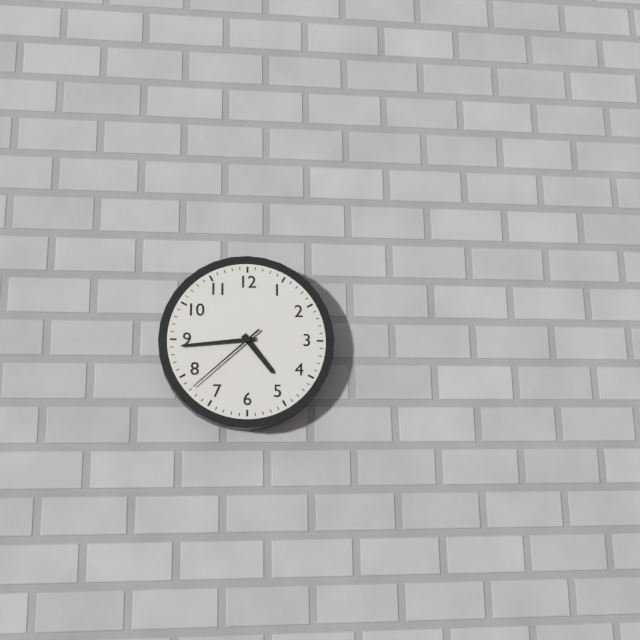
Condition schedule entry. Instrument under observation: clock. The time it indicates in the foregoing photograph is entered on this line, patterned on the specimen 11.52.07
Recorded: 4.44.38
